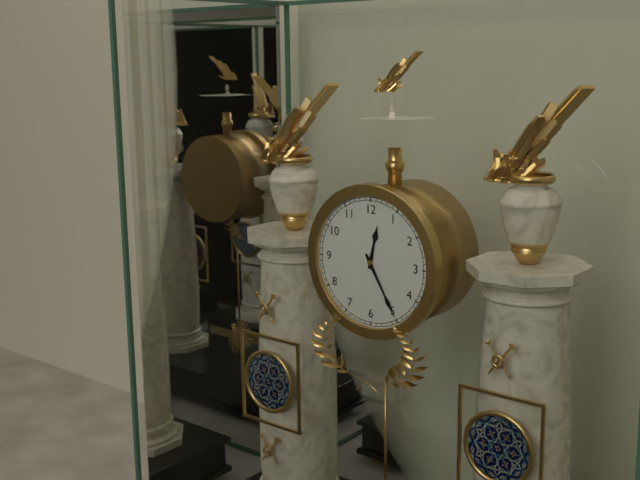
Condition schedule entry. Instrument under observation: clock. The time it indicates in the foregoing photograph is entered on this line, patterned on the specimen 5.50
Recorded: 12.25
